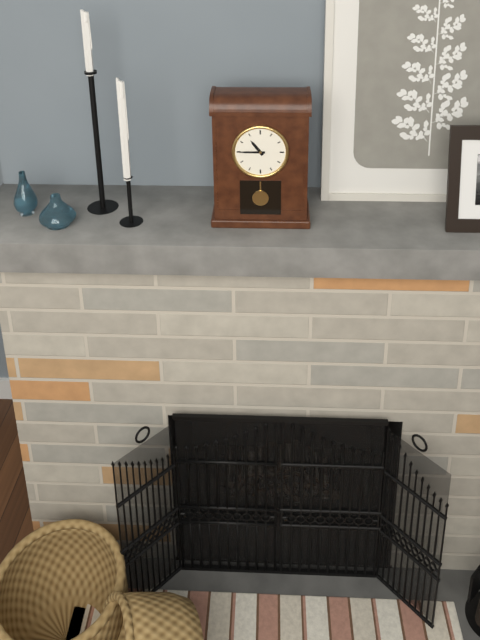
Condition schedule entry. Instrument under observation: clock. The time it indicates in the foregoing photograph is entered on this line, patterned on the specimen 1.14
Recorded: 10.45
